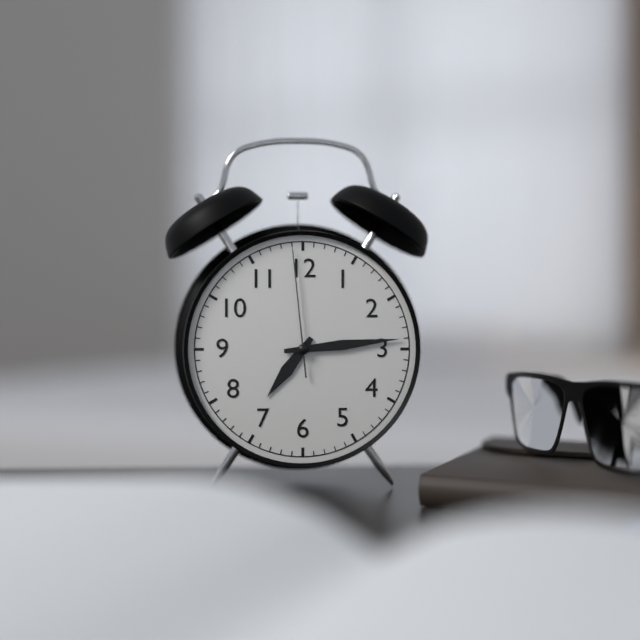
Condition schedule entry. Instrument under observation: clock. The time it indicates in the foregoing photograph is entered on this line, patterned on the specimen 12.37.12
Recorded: 7.14.59
